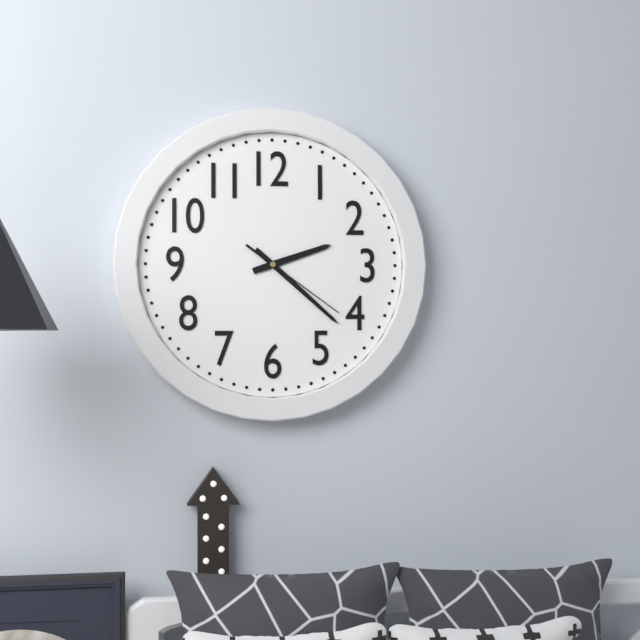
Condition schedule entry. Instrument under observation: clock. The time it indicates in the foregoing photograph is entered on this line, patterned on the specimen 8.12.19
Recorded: 2.22.21
